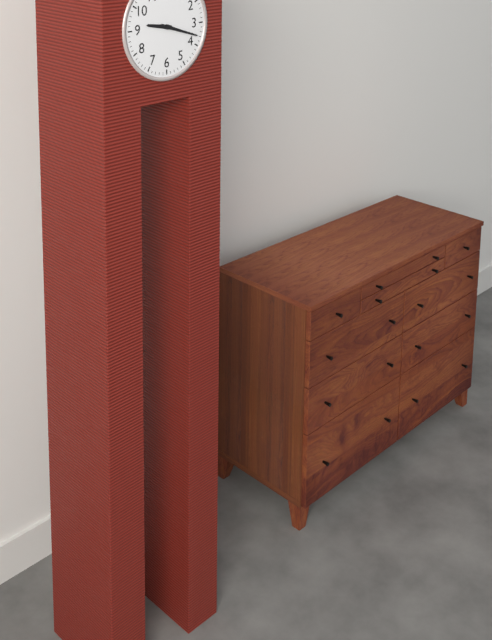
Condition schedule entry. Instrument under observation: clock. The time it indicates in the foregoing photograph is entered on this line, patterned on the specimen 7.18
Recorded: 9.18
